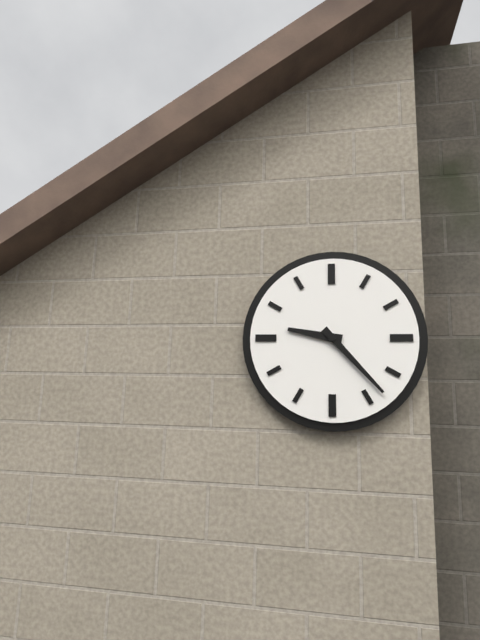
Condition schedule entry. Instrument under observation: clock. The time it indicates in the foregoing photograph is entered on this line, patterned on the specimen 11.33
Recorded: 9.23
